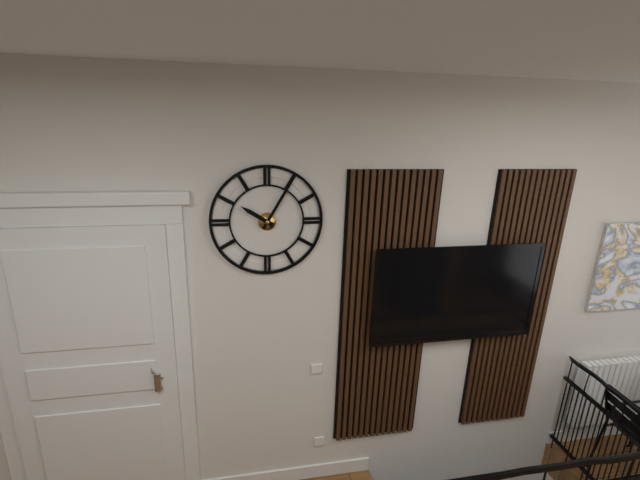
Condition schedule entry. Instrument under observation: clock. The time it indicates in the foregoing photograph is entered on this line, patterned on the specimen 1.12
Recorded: 10.05
